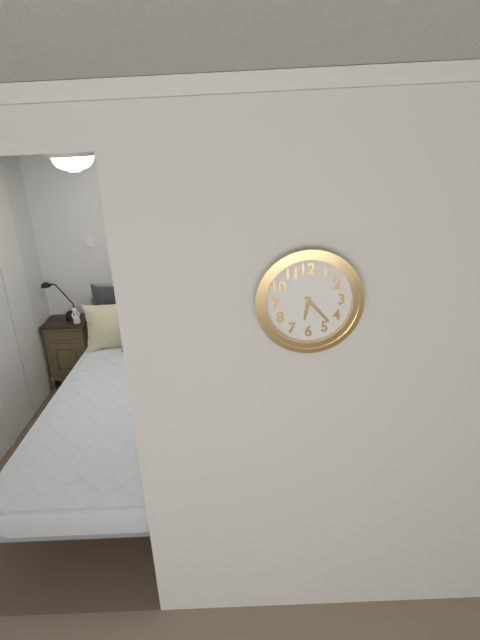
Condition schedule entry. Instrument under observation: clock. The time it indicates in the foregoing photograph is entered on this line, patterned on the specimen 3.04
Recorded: 6.23
